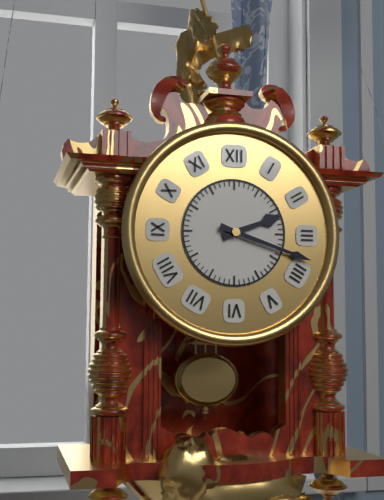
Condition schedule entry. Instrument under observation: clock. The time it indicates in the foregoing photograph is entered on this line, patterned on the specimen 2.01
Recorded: 2.18
